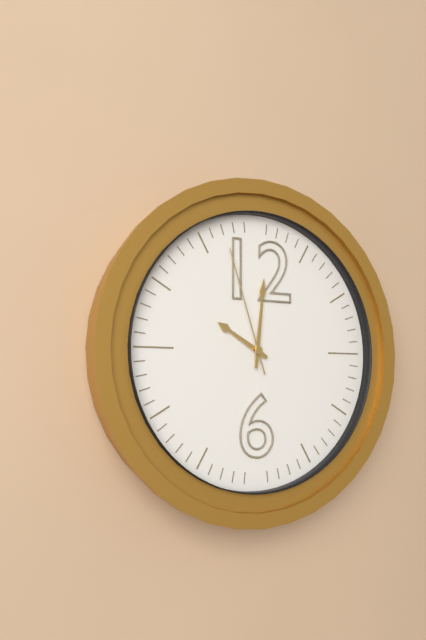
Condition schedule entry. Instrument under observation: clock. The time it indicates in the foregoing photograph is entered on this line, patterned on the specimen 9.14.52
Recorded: 10.01.57
